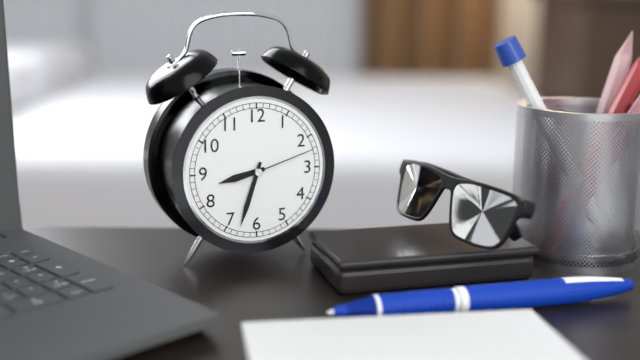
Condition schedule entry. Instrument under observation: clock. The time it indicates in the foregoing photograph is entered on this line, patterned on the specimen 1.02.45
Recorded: 8.33.12
